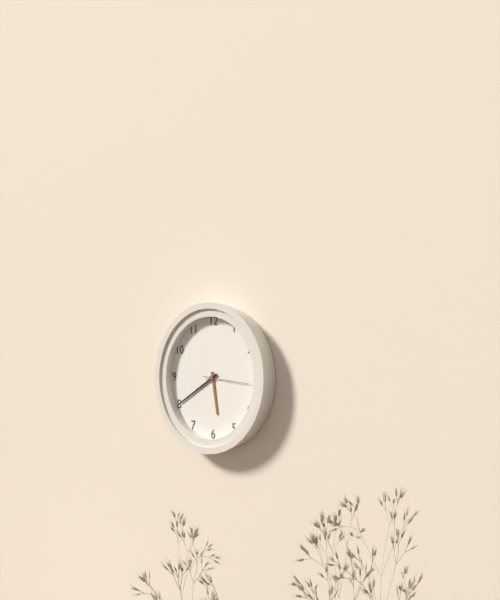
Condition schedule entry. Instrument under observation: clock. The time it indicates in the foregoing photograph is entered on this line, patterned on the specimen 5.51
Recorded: 5.40
